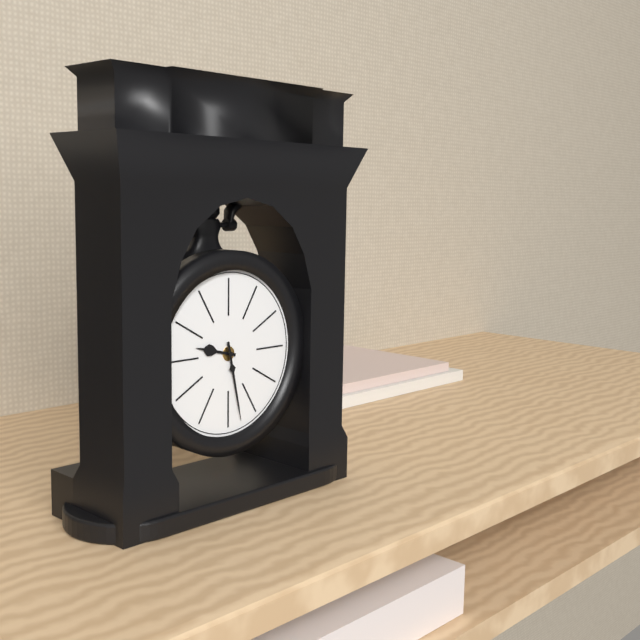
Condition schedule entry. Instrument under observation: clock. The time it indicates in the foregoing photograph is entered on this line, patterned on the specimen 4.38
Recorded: 9.28
